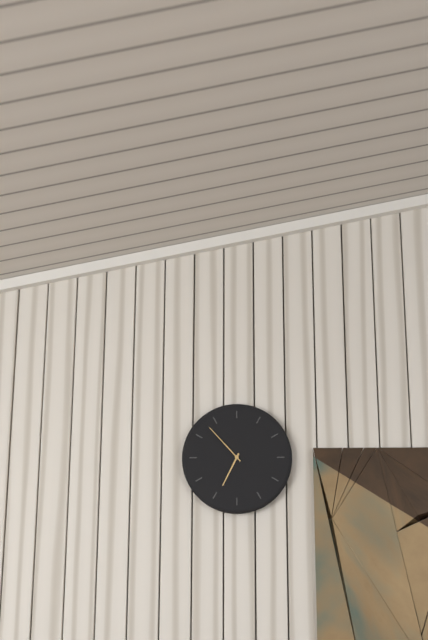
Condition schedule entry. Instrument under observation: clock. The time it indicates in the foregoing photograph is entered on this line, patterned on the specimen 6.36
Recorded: 6.53
